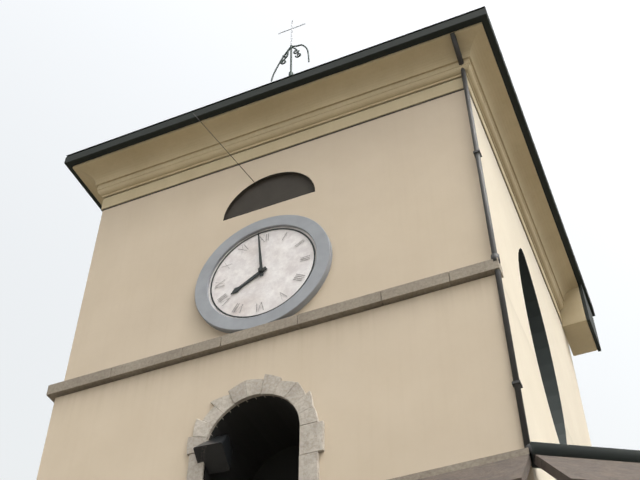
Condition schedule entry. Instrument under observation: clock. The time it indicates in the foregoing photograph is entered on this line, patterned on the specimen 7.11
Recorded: 7.59
